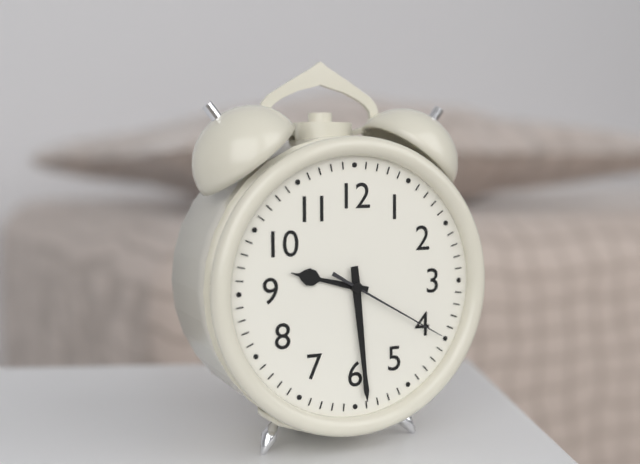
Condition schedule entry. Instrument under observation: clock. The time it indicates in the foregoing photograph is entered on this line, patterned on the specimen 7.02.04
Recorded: 9.29.20
